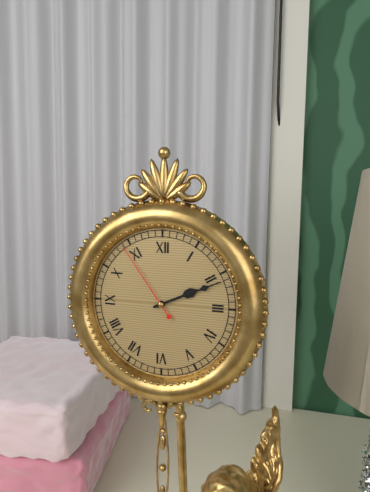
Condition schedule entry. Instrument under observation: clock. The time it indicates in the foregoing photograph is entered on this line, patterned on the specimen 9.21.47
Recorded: 2.11.54
